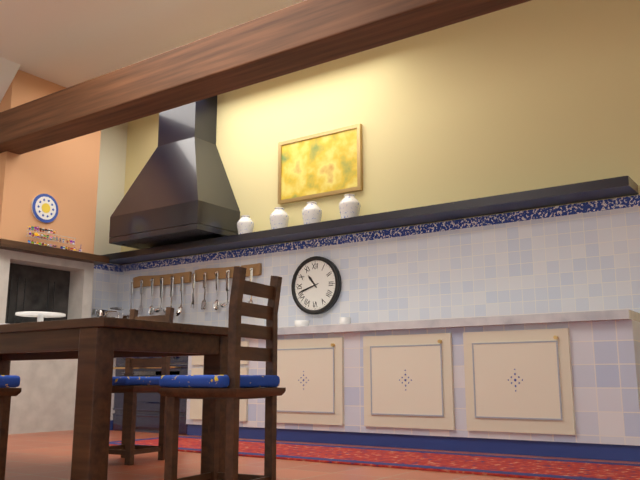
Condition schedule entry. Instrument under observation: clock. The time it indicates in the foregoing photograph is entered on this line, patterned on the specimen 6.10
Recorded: 10.42
